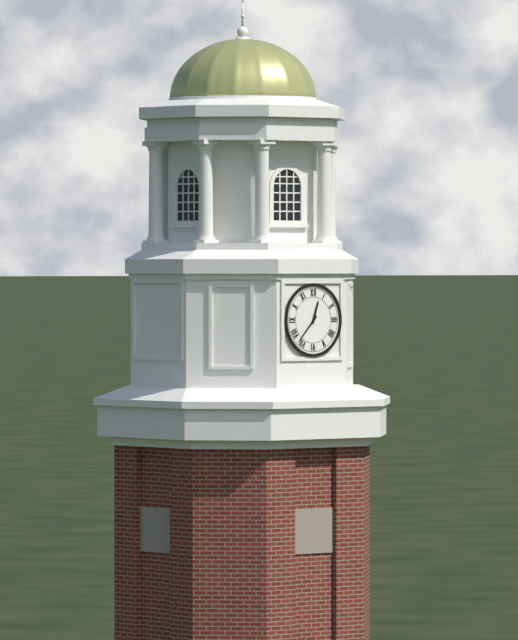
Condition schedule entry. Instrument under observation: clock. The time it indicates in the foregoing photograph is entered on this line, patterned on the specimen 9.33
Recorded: 12.37
